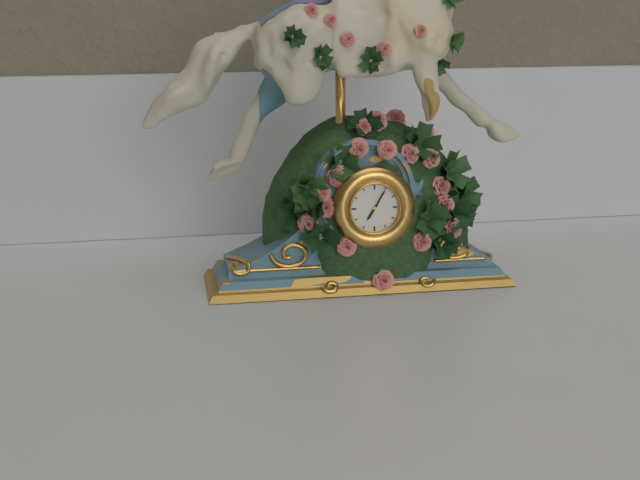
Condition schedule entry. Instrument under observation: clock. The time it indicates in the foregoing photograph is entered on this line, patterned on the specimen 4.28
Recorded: 7.05
